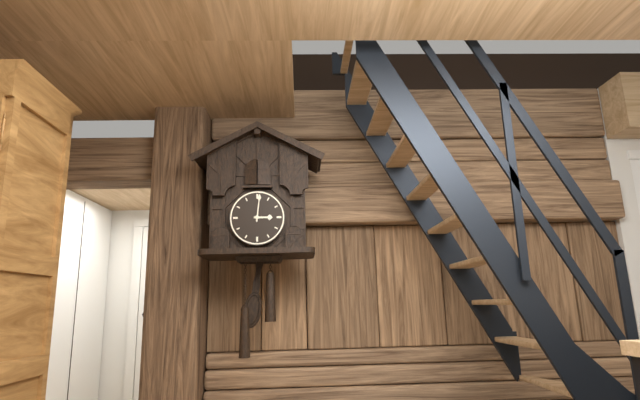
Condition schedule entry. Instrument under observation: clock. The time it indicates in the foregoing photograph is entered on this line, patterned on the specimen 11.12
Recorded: 3.01
